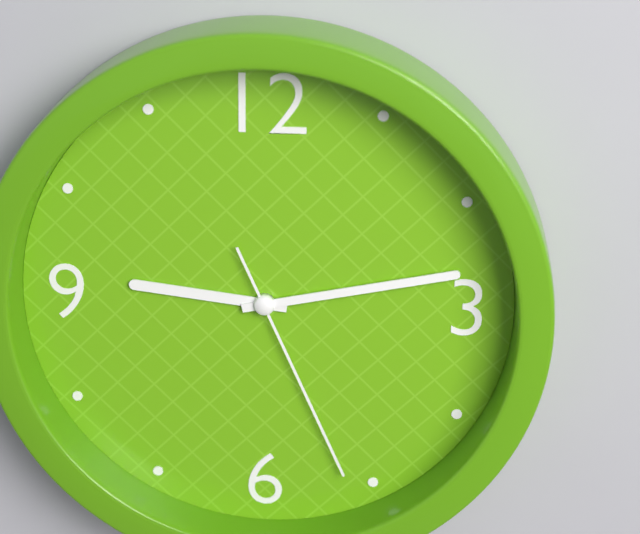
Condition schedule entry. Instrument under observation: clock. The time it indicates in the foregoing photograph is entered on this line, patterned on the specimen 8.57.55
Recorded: 9.13.26
